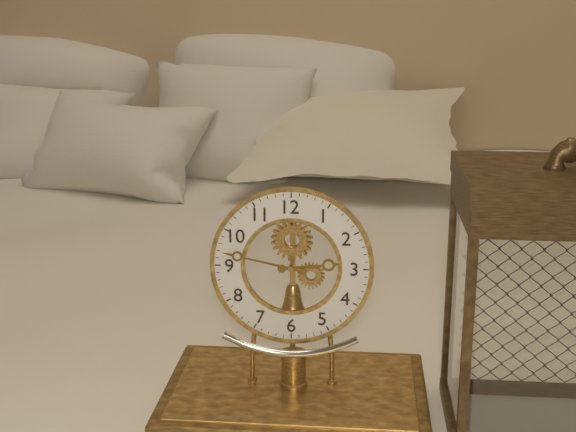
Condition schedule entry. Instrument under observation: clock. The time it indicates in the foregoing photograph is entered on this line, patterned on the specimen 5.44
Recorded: 2.47
